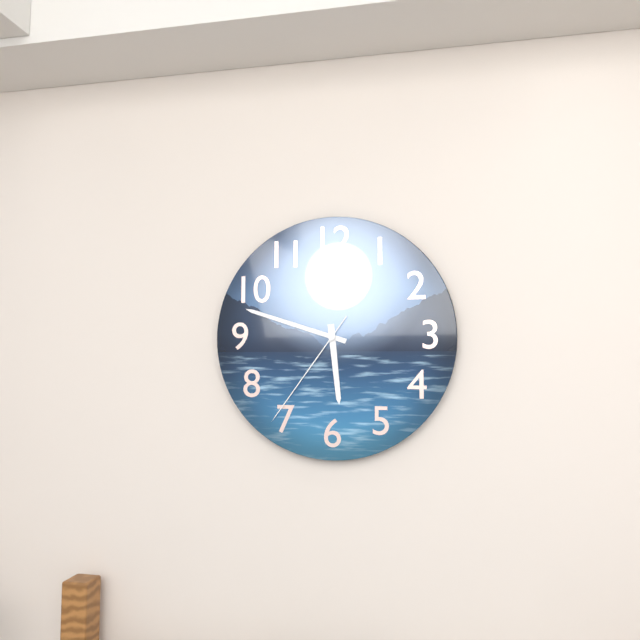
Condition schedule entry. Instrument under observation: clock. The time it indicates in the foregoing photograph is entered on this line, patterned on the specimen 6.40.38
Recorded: 5.48.36
